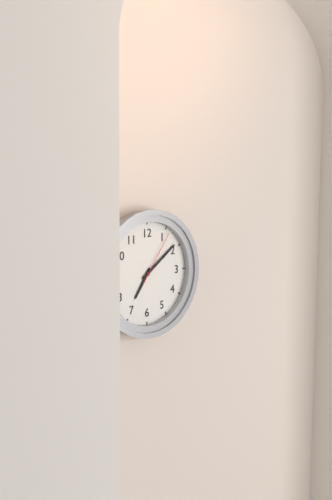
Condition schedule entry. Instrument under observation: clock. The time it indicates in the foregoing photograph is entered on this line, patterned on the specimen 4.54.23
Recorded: 7.09.06
